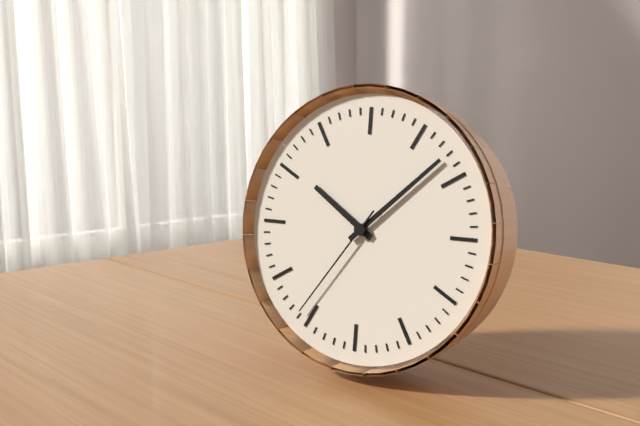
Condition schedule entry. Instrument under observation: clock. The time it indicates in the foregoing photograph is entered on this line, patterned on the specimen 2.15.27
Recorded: 10.08.36
